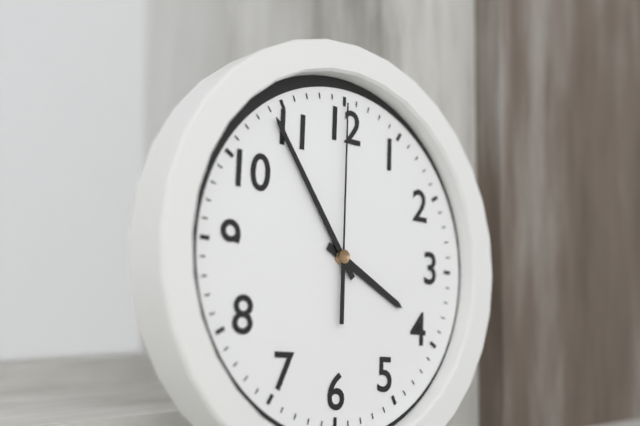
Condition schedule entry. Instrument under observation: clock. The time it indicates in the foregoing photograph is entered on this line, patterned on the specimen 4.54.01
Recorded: 3.54.00
